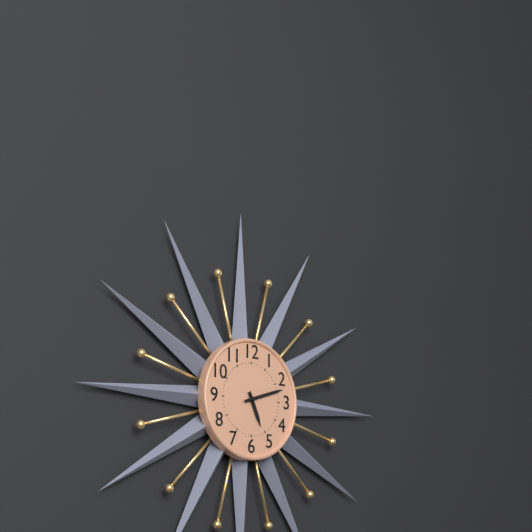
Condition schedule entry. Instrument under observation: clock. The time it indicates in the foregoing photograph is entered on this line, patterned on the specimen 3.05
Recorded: 5.12
